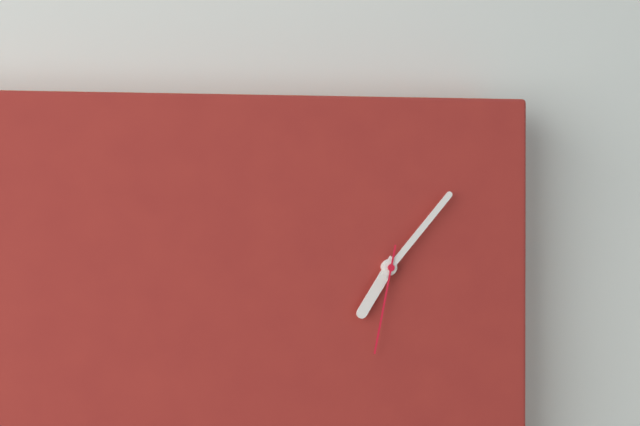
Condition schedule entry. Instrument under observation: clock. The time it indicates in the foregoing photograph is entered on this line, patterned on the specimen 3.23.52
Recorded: 7.07.32
